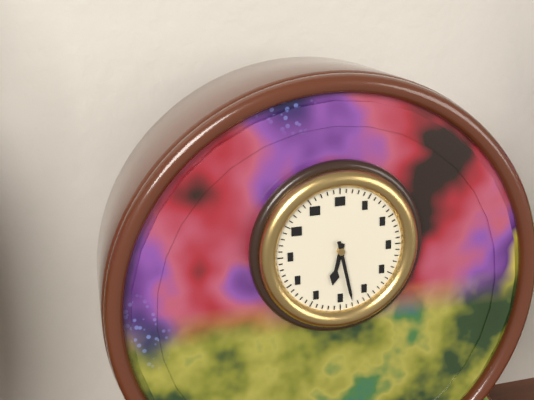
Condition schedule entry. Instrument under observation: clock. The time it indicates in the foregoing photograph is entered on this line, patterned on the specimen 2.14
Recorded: 6.28
